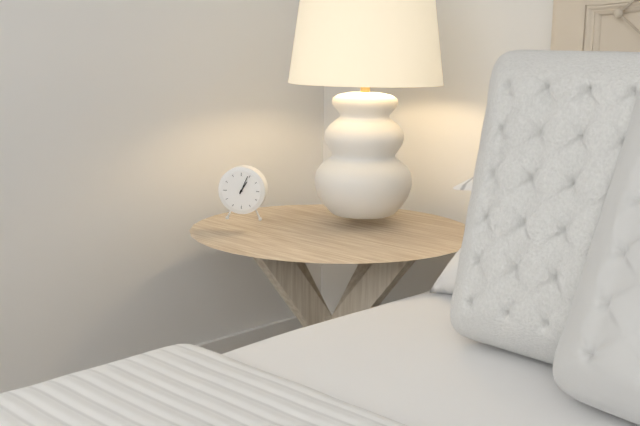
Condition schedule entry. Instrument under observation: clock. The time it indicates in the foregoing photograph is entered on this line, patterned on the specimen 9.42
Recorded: 1.04
